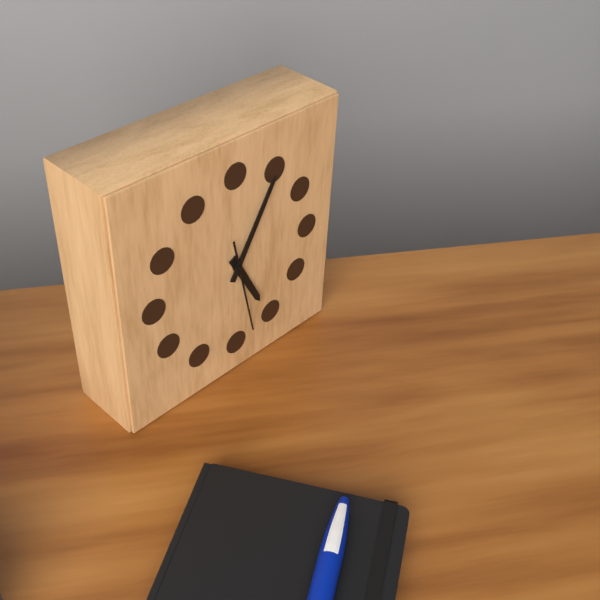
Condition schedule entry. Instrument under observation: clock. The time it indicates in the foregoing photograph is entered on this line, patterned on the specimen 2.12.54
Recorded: 5.05.28
